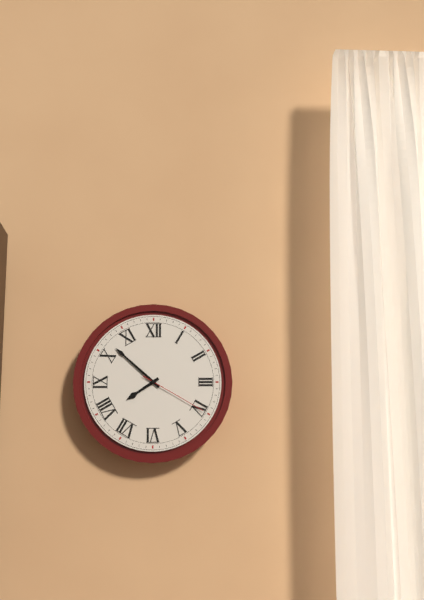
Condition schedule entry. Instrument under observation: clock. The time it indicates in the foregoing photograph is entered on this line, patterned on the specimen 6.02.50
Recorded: 7.52.20
